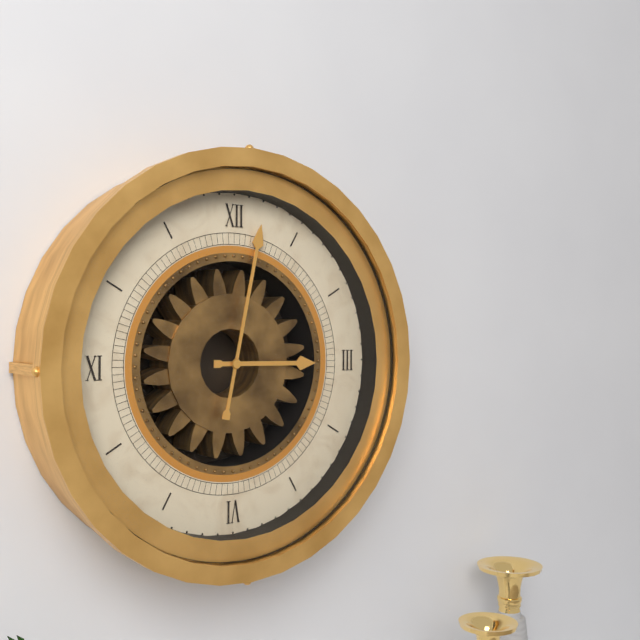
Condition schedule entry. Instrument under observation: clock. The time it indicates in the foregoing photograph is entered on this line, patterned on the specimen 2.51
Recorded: 3.02
